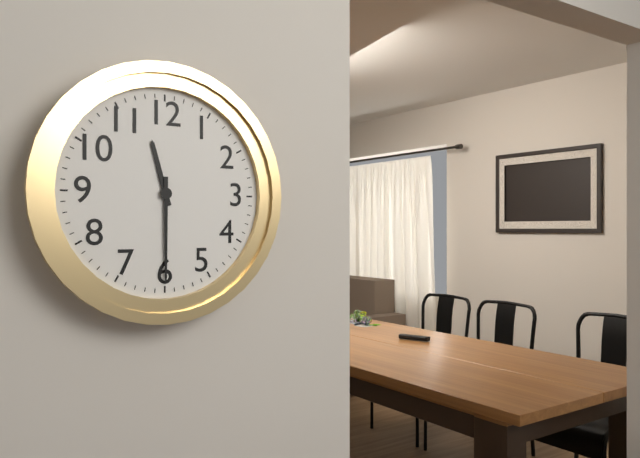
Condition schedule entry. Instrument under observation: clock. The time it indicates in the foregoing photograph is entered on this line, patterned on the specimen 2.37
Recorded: 11.30
